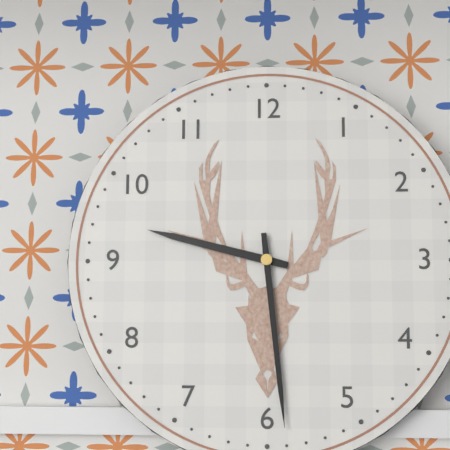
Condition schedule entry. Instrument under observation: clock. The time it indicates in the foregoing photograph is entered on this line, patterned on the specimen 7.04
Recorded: 9.29
